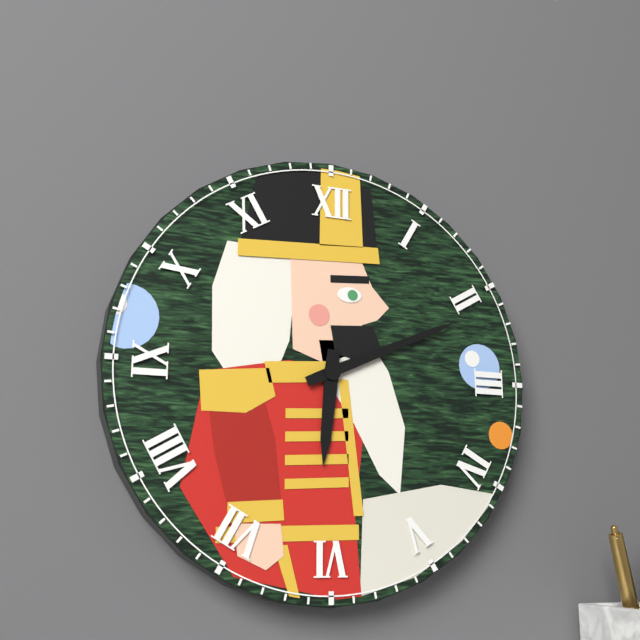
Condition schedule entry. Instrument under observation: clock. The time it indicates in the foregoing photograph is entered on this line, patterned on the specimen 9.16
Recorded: 6.11
